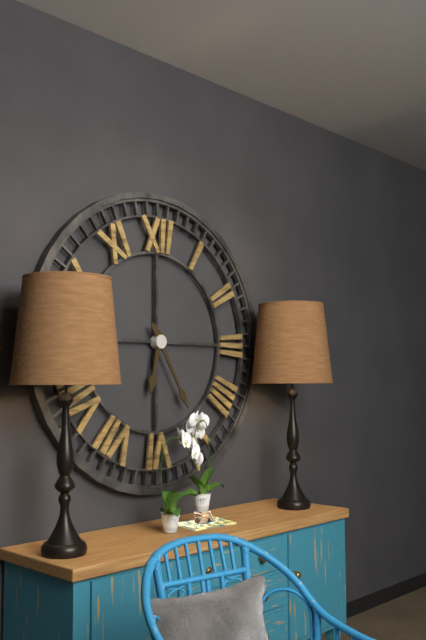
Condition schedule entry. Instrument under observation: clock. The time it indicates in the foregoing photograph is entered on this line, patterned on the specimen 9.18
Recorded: 6.25
